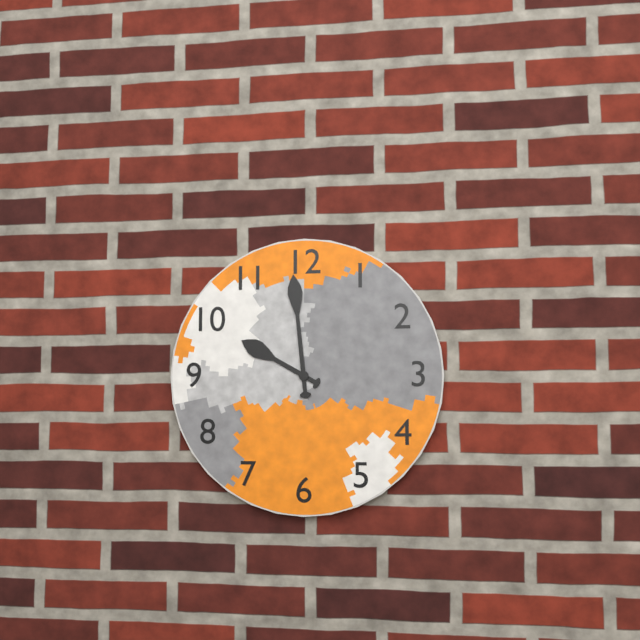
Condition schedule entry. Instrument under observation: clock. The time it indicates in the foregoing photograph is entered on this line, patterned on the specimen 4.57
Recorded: 9.59
